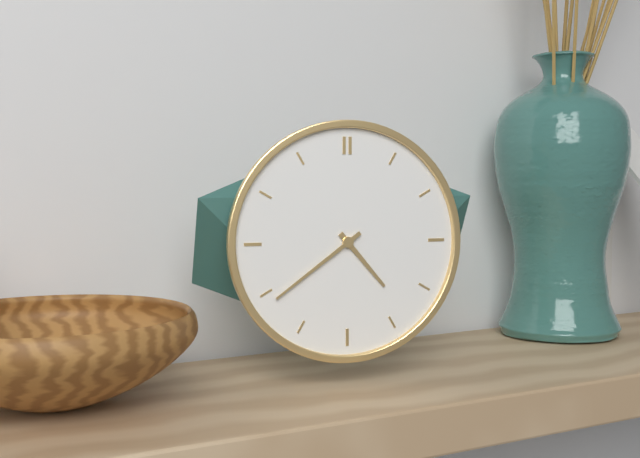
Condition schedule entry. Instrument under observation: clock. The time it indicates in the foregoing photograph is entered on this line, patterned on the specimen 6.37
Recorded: 4.39
